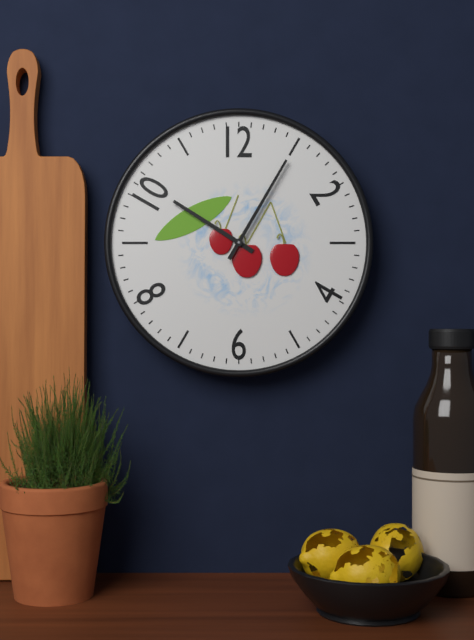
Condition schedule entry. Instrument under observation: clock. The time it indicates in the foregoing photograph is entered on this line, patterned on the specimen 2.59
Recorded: 10.05
